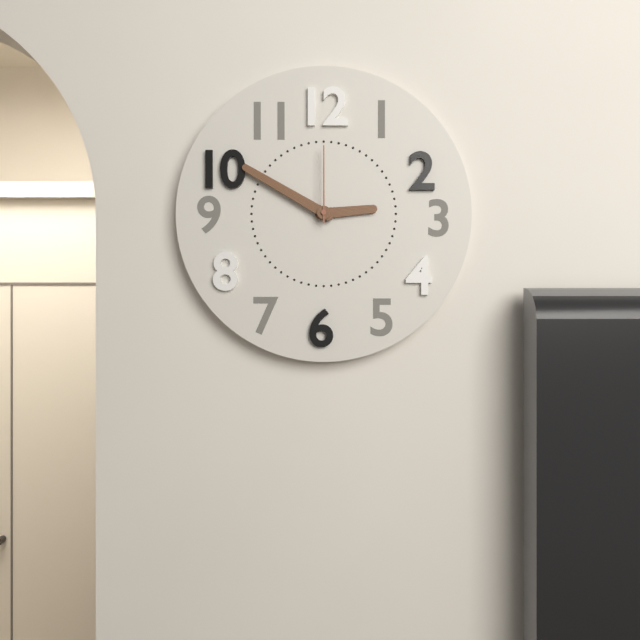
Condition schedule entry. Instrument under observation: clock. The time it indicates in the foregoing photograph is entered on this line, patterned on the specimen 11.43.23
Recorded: 2.50.00
